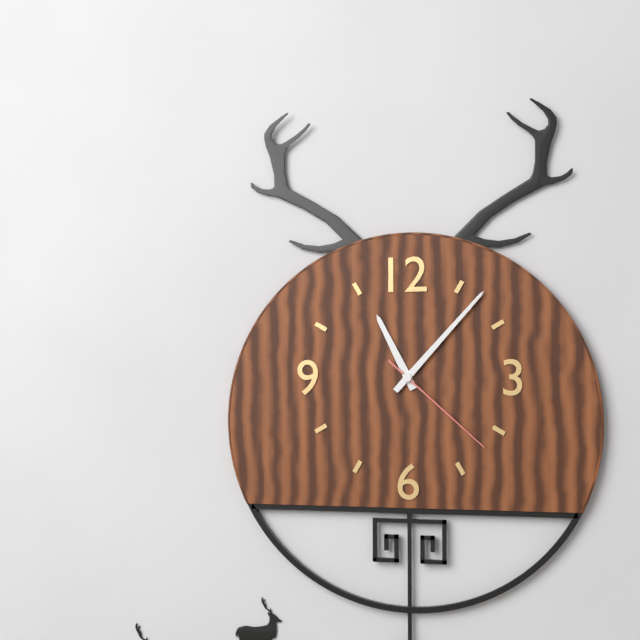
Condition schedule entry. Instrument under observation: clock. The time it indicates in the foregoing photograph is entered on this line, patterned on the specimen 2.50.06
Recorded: 11.07.22
